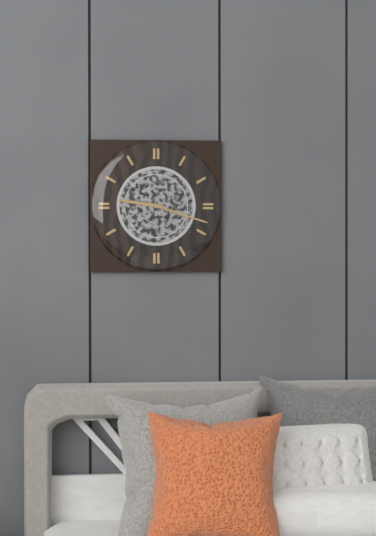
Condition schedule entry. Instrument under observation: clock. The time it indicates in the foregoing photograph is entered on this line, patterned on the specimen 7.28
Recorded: 9.18
